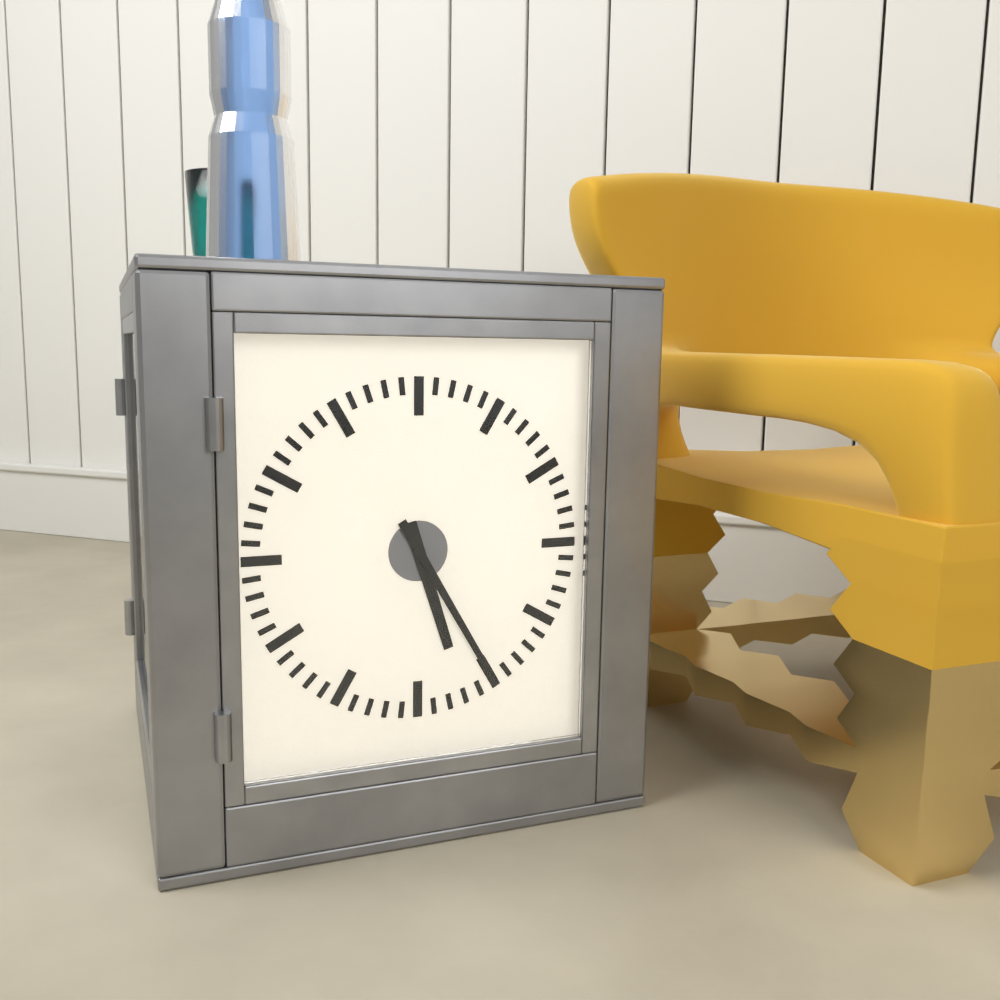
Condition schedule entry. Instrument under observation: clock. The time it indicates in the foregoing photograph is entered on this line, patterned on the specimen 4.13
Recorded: 5.25
